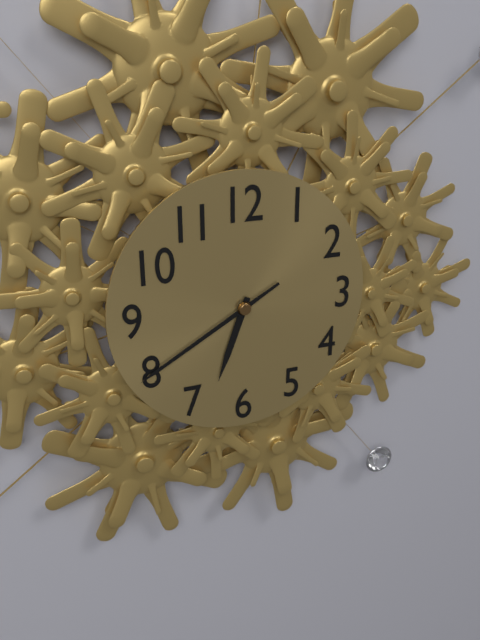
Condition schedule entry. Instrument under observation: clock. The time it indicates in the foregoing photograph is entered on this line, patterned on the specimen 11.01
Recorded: 6.40
